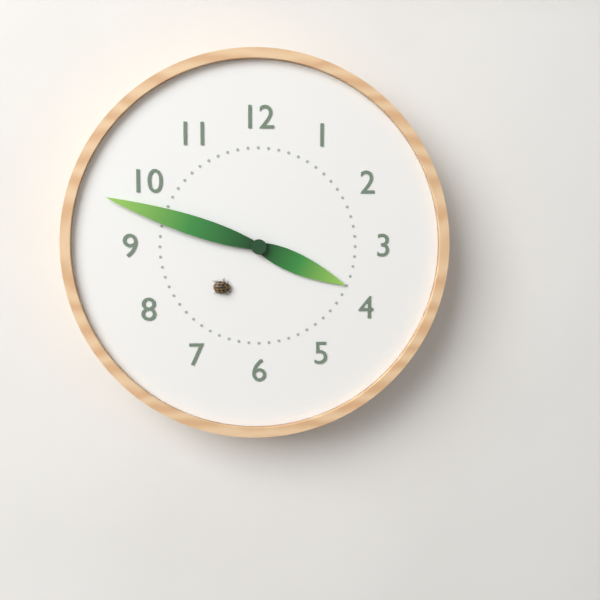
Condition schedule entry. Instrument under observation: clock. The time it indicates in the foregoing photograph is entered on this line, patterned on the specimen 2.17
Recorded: 3.48
